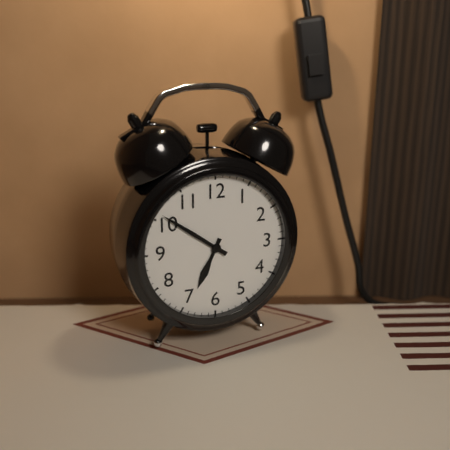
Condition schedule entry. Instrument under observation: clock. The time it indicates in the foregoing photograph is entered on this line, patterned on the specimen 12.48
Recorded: 6.51
